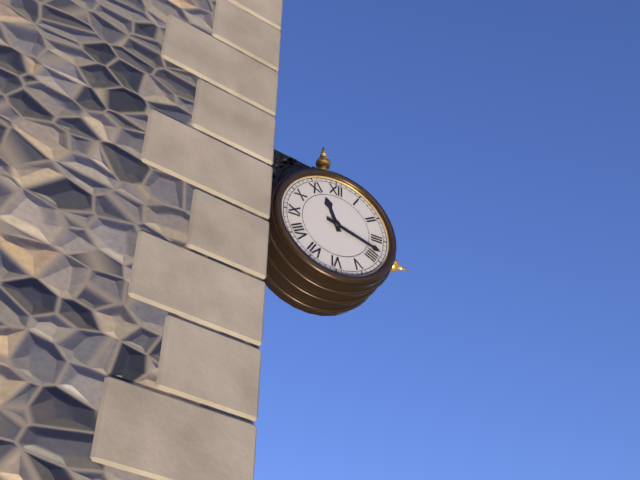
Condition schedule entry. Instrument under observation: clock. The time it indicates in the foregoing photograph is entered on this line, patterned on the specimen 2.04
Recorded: 11.18
